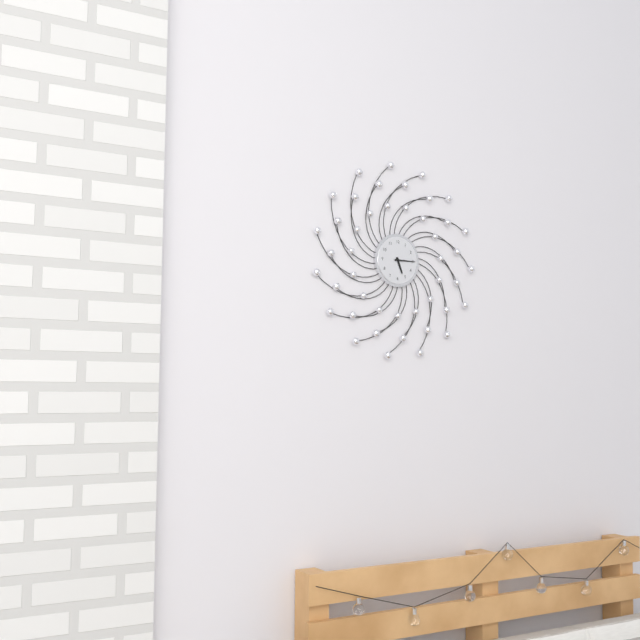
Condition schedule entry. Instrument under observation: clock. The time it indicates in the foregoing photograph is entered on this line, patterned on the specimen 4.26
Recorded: 5.15
